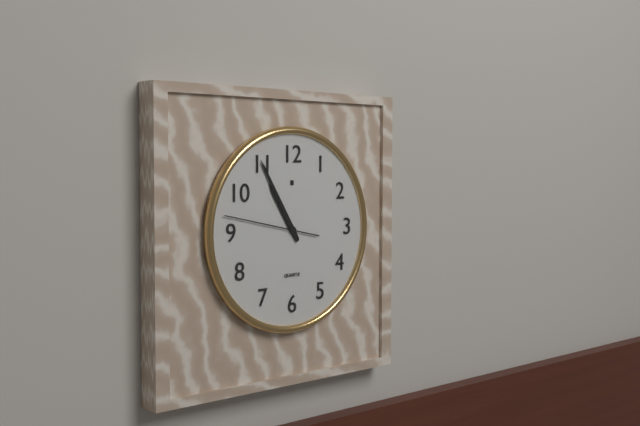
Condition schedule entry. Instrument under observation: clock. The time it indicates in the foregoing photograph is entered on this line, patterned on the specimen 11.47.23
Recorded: 10.55.47
